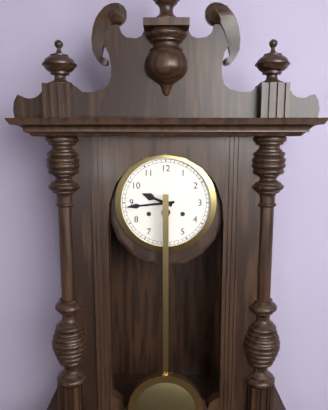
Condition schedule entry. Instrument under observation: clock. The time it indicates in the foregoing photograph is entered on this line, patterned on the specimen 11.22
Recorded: 9.44
